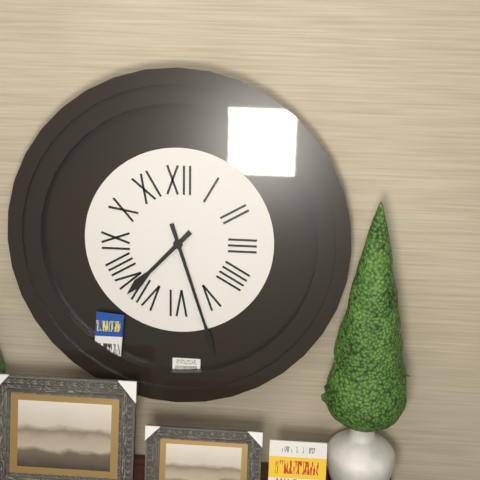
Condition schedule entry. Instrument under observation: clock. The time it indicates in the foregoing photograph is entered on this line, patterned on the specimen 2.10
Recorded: 7.27
